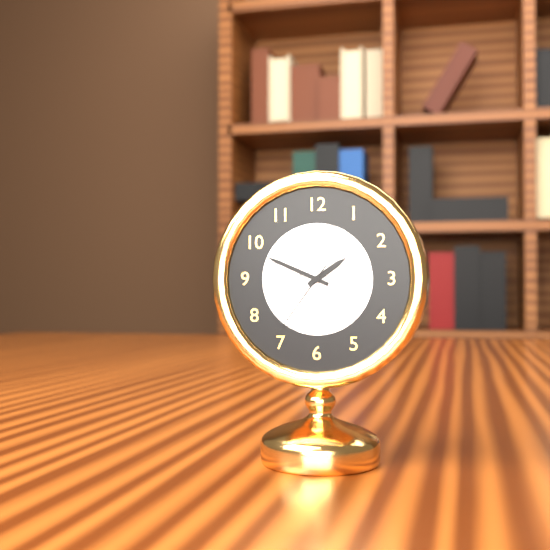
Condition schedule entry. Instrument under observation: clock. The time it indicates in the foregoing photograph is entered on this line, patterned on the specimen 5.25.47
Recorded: 1.49.36
